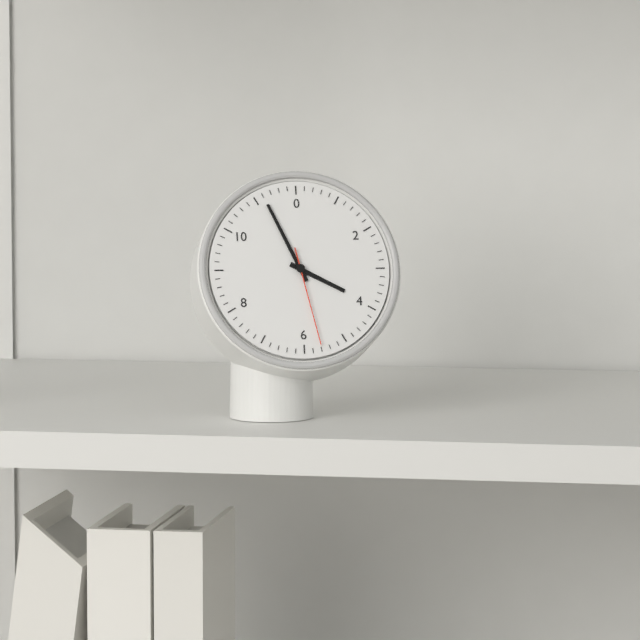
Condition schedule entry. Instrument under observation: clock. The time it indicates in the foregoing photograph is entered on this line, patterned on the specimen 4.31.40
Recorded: 3.56.28
